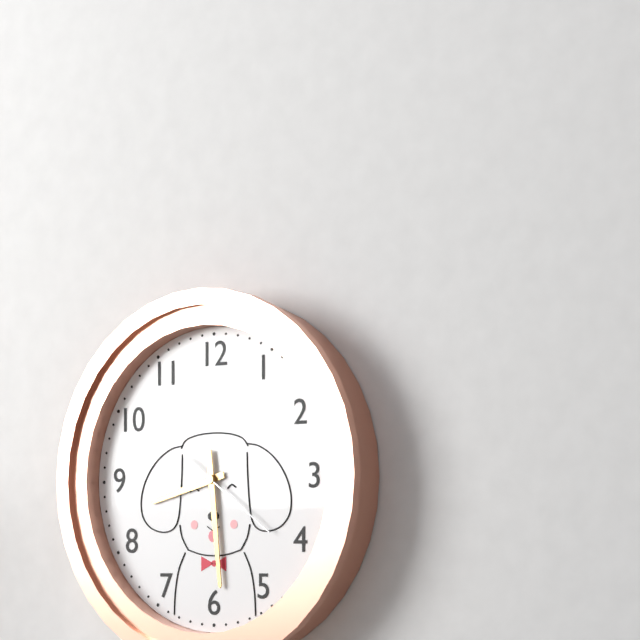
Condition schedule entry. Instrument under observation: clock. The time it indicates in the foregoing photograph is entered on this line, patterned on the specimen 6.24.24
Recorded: 8.29.21
